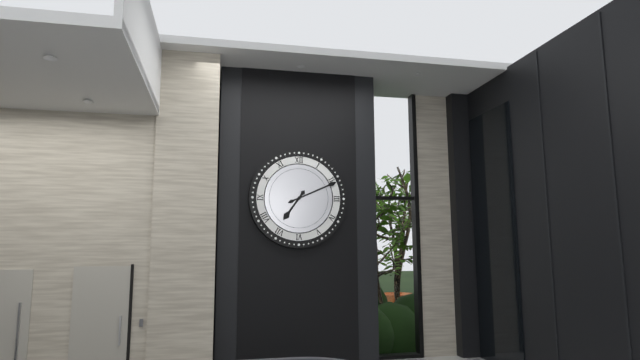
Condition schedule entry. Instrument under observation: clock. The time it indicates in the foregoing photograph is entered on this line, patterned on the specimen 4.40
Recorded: 7.11
